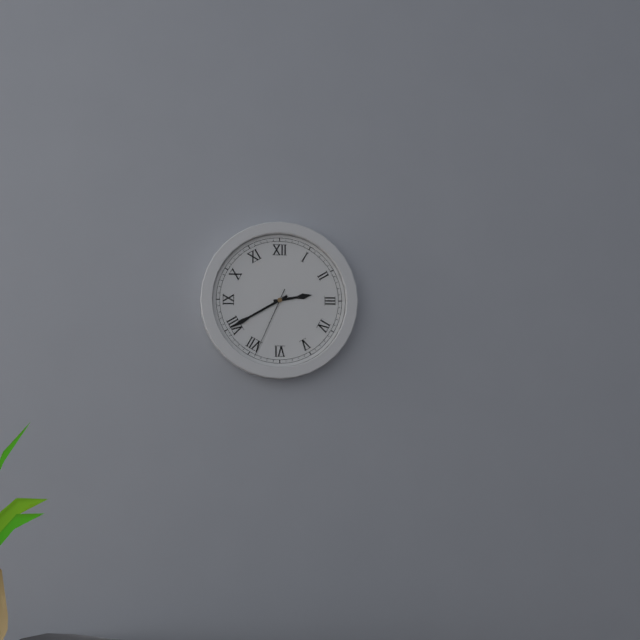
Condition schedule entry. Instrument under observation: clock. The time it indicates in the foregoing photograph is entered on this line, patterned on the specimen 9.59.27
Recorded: 2.40.34
